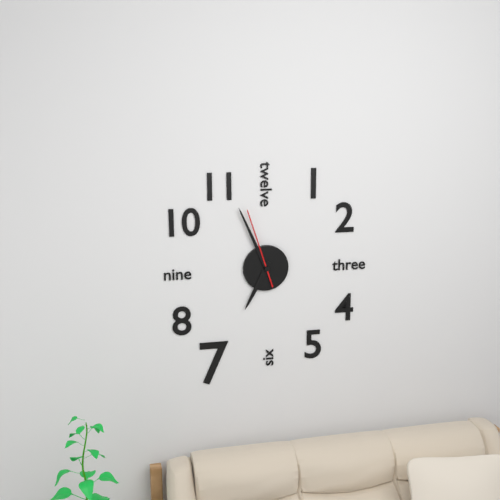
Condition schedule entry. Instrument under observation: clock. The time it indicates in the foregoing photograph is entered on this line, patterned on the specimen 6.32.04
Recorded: 6.56.57
